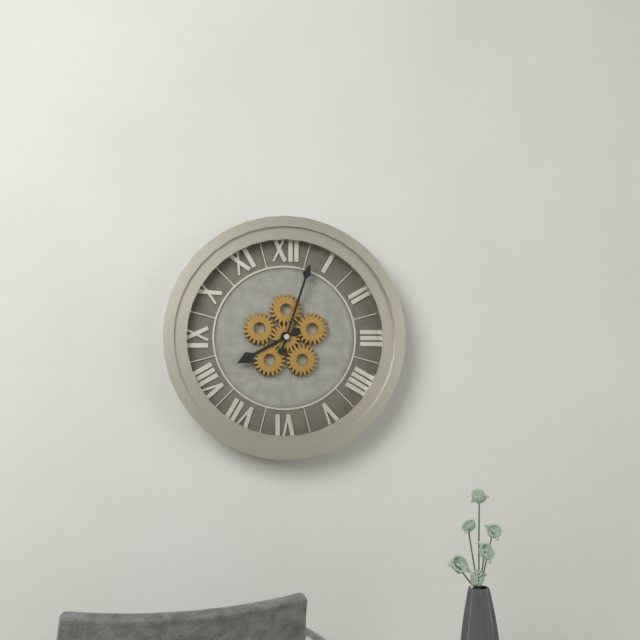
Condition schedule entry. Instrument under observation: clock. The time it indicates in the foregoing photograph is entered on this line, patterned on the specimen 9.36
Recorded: 8.03
